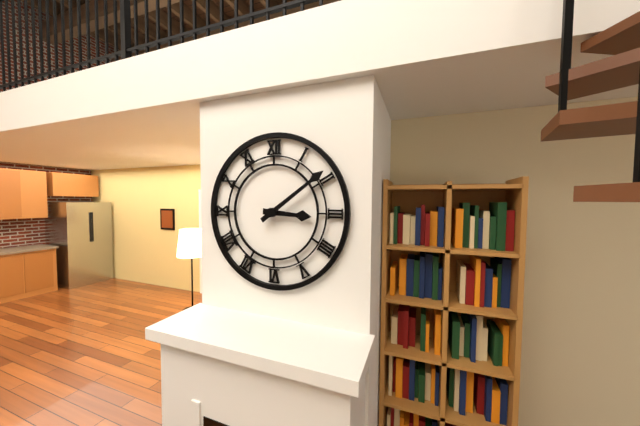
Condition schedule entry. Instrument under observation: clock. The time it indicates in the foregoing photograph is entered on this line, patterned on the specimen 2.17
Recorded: 3.09
